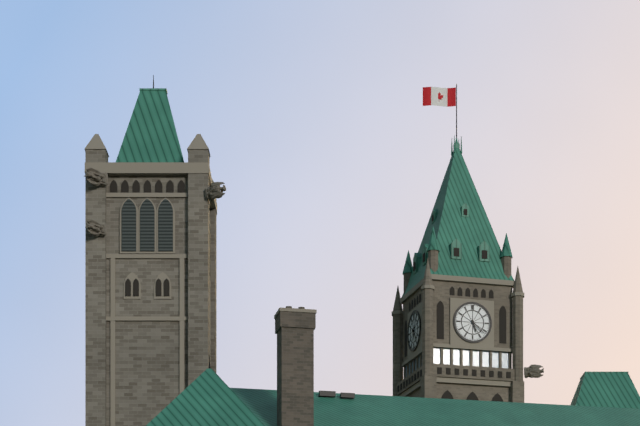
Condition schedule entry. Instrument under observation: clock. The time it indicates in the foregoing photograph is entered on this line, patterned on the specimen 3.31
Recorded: 5.22
